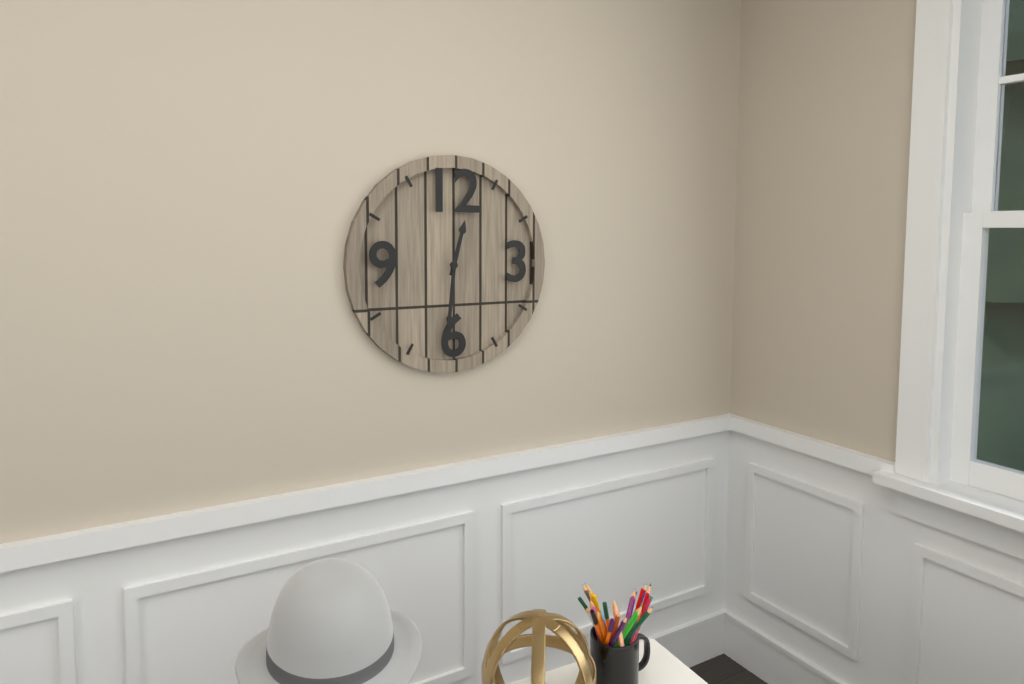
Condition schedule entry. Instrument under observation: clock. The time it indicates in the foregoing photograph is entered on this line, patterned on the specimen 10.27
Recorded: 12.31
